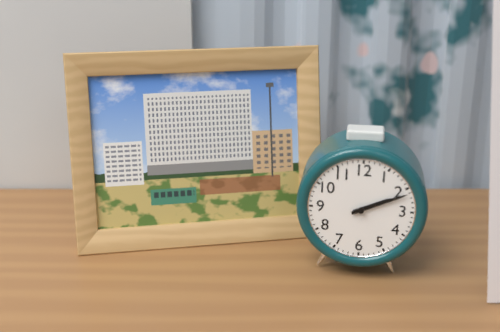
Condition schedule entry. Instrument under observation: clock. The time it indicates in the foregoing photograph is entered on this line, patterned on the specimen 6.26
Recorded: 2.11
